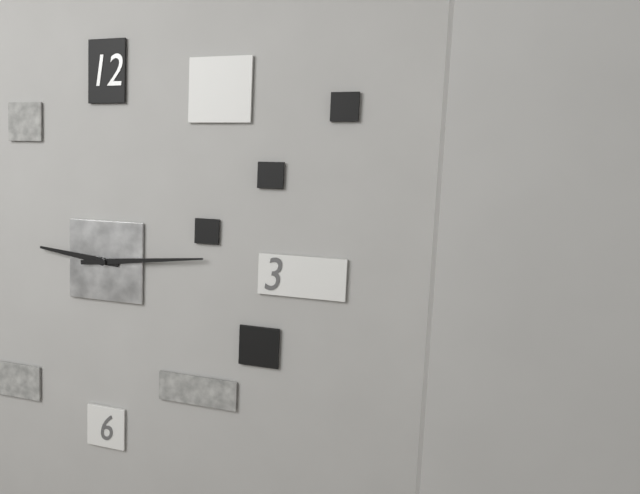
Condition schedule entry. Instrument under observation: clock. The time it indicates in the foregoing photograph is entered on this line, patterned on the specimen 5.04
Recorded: 9.14
